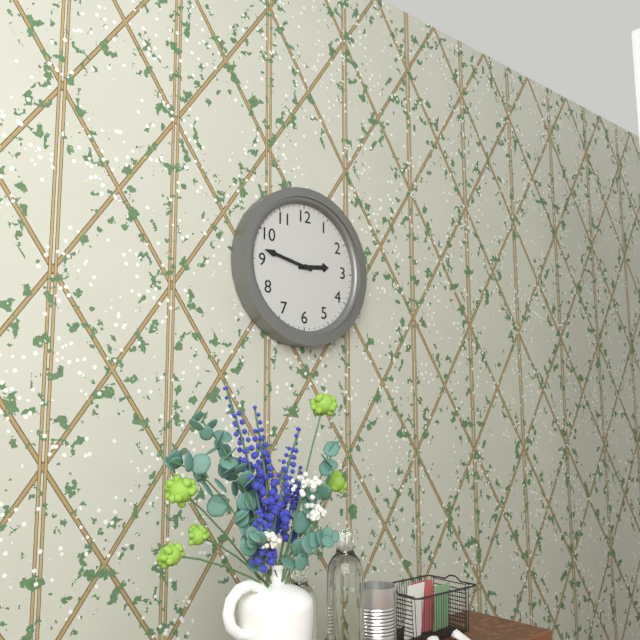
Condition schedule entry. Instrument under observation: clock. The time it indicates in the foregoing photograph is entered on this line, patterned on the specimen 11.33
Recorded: 2.47
